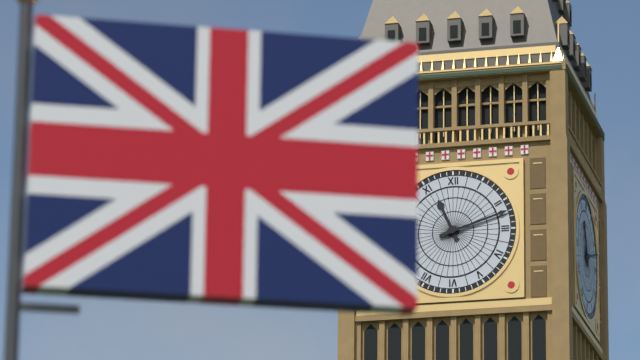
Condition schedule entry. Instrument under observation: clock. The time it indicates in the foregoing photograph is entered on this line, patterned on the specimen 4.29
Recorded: 11.12
